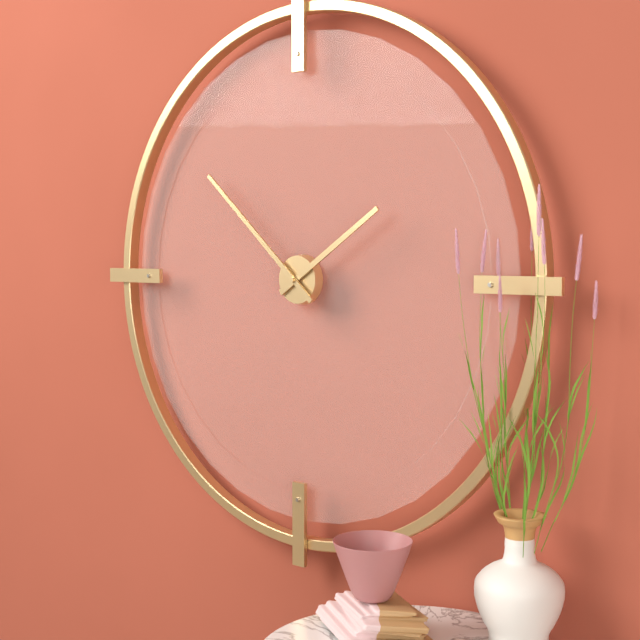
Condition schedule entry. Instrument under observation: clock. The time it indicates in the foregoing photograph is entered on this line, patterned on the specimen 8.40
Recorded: 1.52
